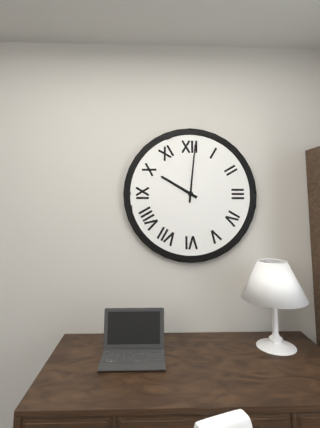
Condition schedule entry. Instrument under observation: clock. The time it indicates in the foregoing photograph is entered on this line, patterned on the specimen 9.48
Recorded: 10.01
